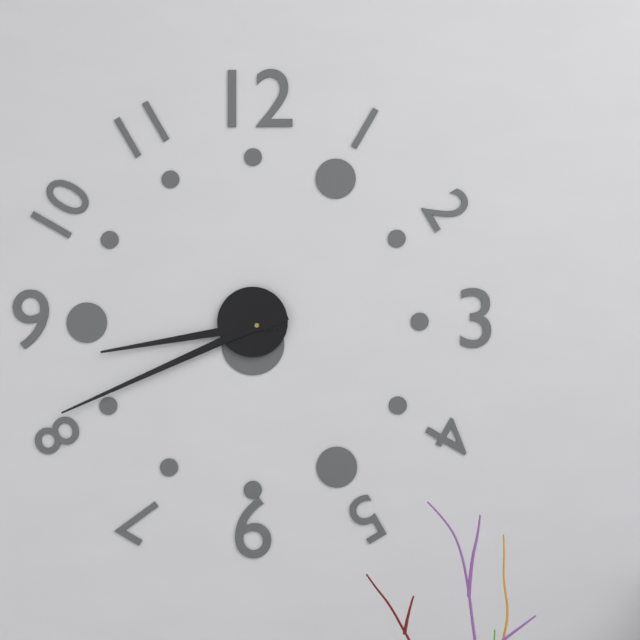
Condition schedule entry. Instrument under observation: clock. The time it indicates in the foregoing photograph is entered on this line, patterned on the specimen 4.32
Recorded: 8.41
